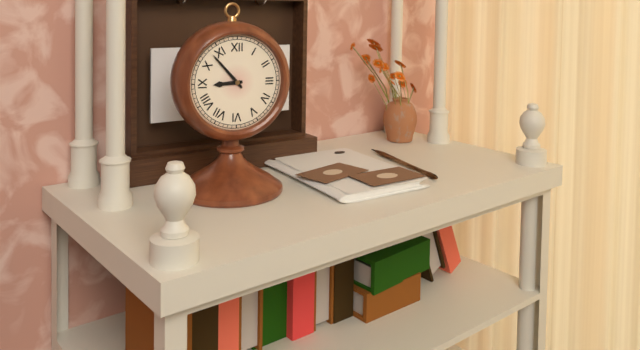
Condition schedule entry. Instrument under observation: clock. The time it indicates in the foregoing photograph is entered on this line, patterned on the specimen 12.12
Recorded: 8.53
